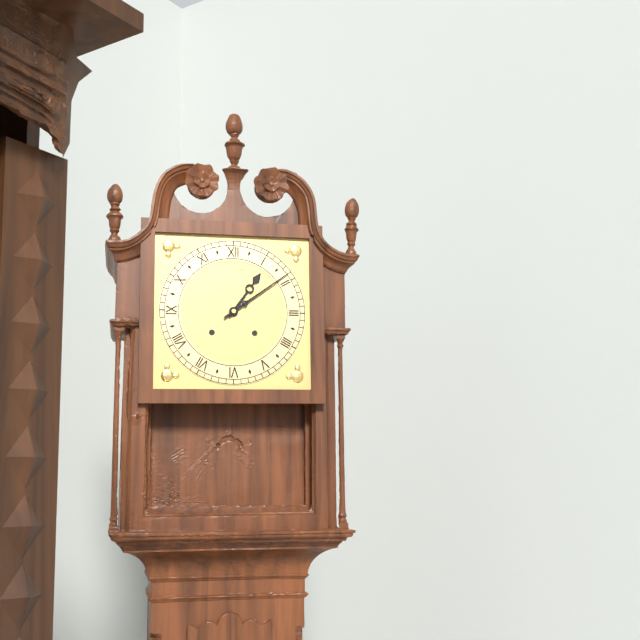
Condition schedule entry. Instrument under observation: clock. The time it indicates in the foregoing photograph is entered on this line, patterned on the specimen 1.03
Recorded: 1.09
